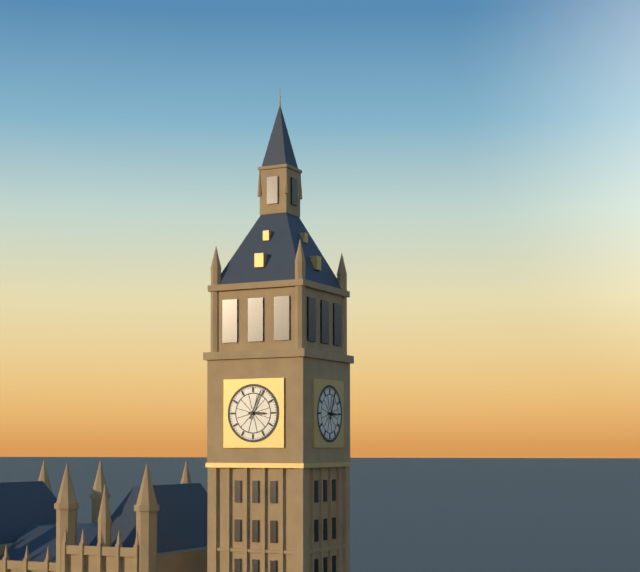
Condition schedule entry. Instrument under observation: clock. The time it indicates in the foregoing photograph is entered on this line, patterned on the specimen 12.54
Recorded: 3.04
